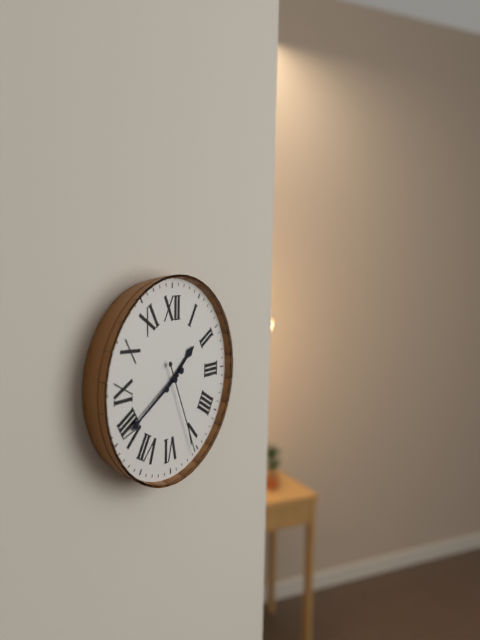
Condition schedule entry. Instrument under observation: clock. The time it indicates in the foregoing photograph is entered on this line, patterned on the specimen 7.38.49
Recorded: 1.40.26
